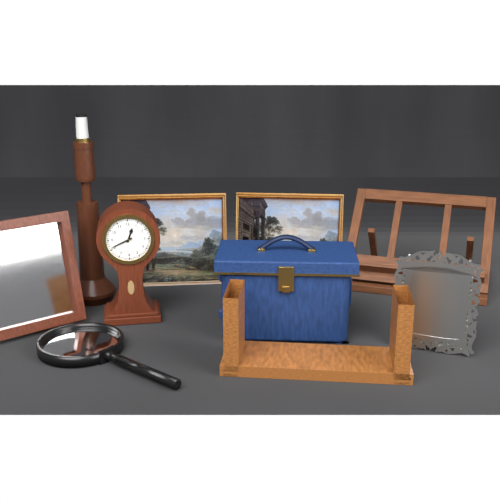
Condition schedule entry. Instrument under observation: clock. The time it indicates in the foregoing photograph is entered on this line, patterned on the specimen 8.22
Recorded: 12.41
